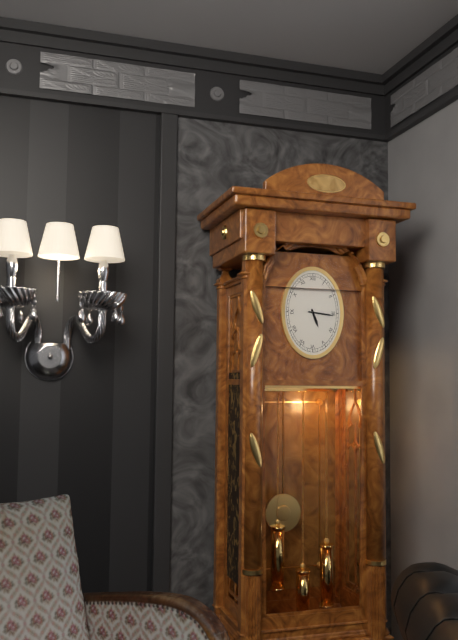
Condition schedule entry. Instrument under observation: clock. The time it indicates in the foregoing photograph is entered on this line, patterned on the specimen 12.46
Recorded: 5.16
